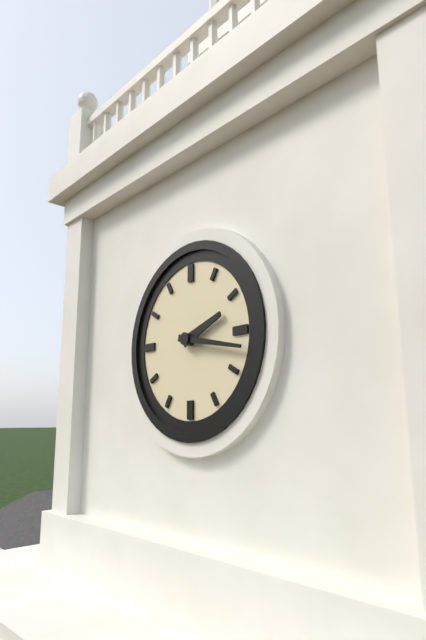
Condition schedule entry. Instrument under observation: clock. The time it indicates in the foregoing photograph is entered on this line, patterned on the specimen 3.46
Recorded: 2.17
